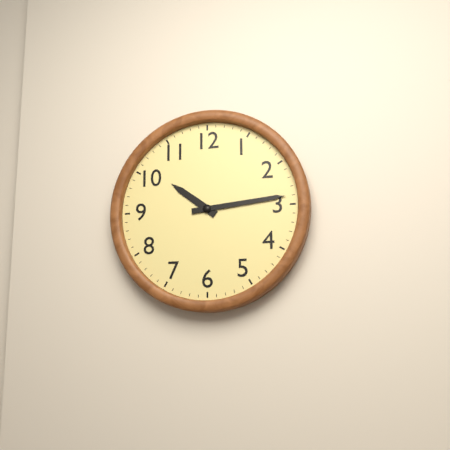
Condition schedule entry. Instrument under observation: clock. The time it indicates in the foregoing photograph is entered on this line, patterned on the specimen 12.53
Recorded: 10.14
